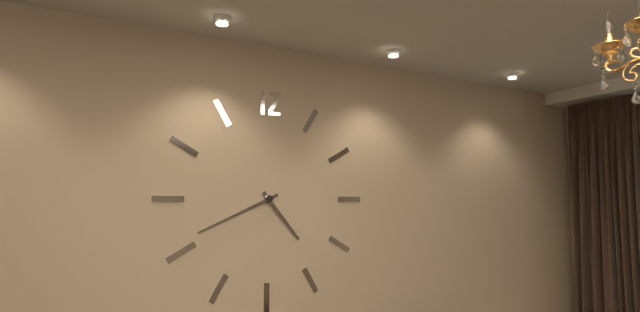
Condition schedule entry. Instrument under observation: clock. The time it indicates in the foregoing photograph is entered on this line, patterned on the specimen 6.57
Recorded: 4.41
